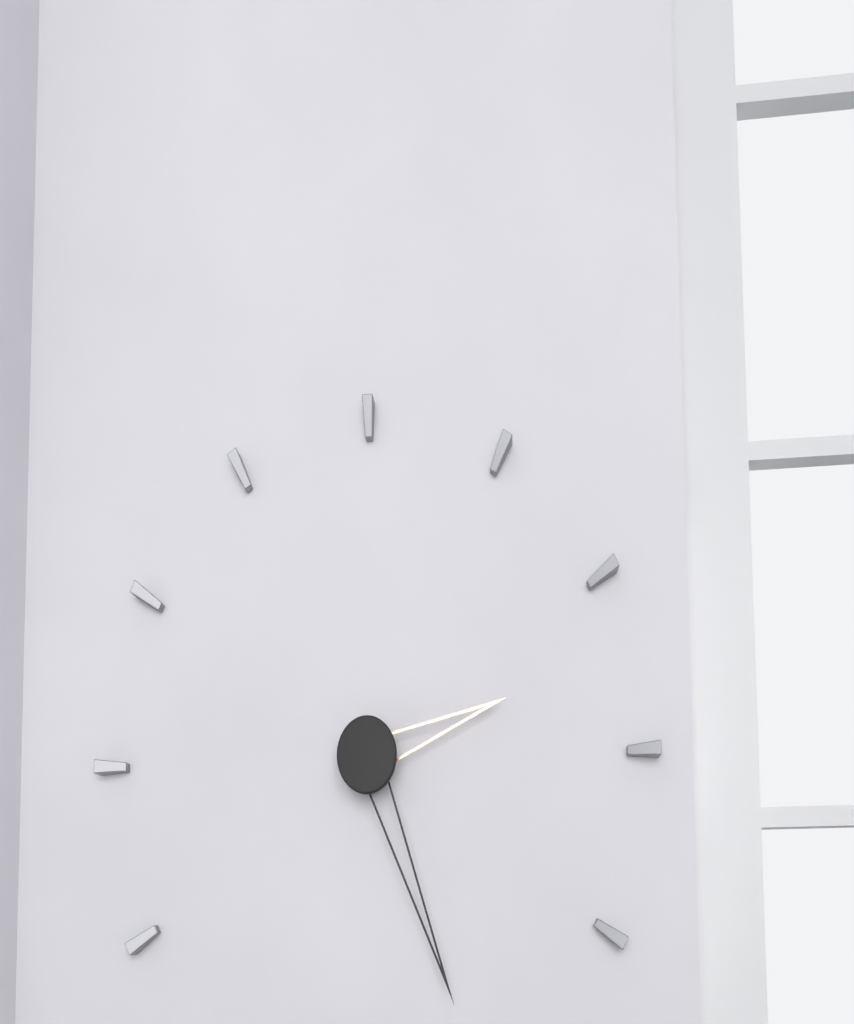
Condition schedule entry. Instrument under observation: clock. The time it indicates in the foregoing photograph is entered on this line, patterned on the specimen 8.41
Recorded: 2.26
